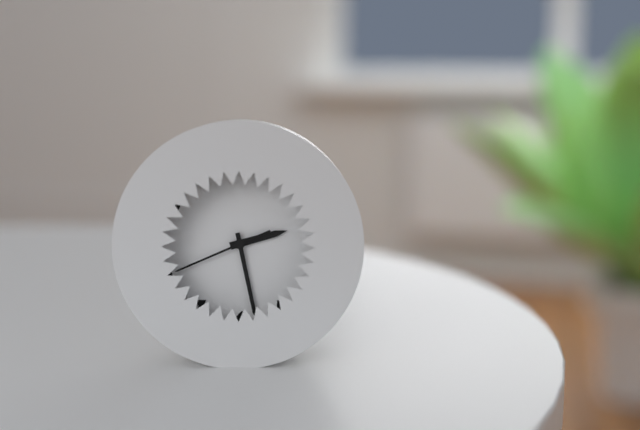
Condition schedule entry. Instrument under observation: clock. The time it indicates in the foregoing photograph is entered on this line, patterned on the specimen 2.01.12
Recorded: 2.28.41
